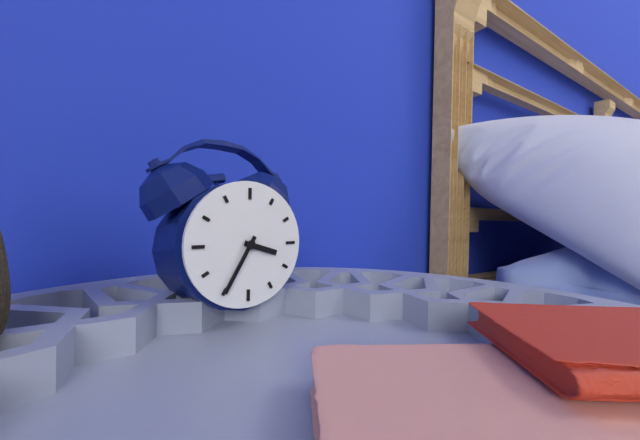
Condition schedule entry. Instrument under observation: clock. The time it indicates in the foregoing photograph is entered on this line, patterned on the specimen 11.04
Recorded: 3.35
